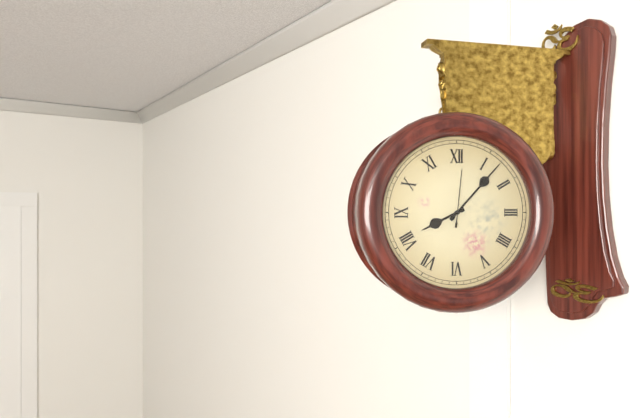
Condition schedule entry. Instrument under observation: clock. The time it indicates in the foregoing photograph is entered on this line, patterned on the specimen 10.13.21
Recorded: 8.07.01
